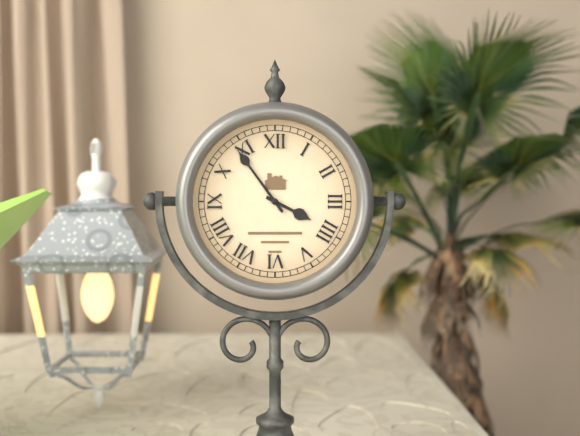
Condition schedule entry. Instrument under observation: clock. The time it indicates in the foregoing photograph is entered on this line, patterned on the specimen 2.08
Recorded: 3.54
